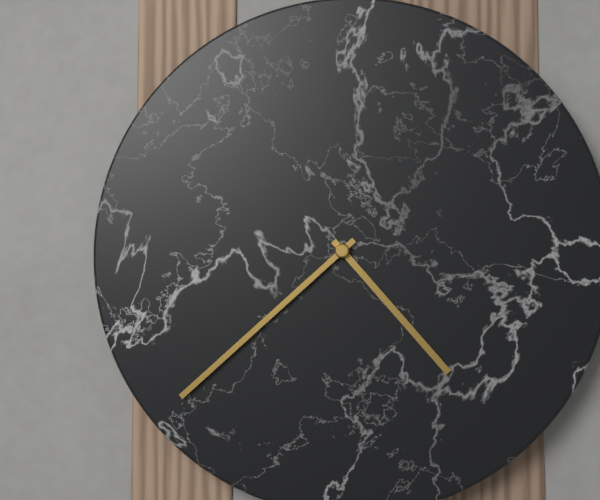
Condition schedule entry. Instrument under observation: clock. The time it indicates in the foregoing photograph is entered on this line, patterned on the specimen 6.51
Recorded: 4.38
